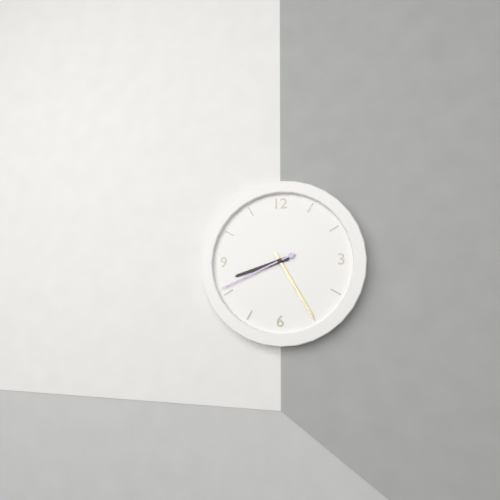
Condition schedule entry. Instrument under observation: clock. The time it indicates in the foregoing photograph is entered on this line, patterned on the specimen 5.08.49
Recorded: 8.25.41
